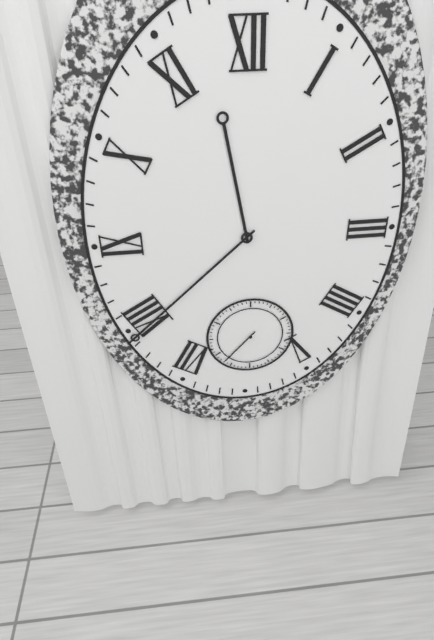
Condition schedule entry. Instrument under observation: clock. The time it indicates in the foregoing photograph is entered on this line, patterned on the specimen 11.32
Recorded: 11.38
